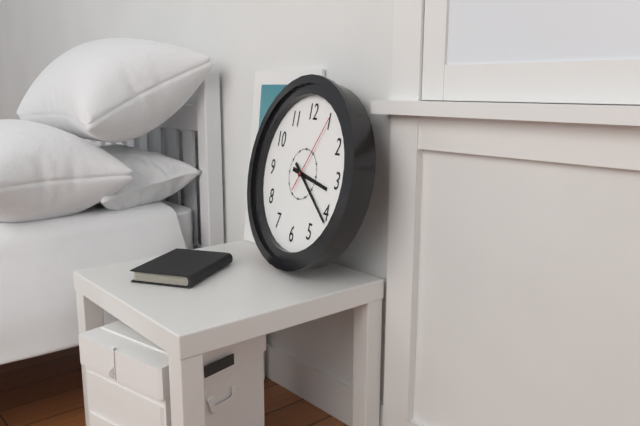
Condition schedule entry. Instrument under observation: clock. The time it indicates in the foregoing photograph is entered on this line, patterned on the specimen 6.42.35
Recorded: 3.21.05
